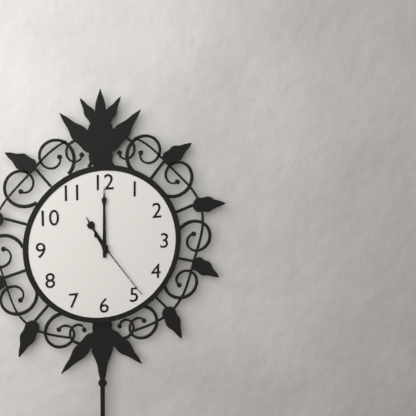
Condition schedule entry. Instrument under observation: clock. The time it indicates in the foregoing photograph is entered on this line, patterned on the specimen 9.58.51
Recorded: 11.00.24
